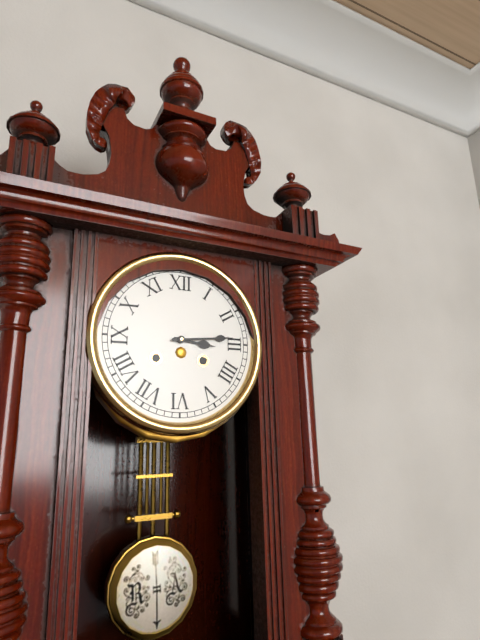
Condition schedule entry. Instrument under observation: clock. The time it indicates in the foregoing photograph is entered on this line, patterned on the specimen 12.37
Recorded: 3.14
